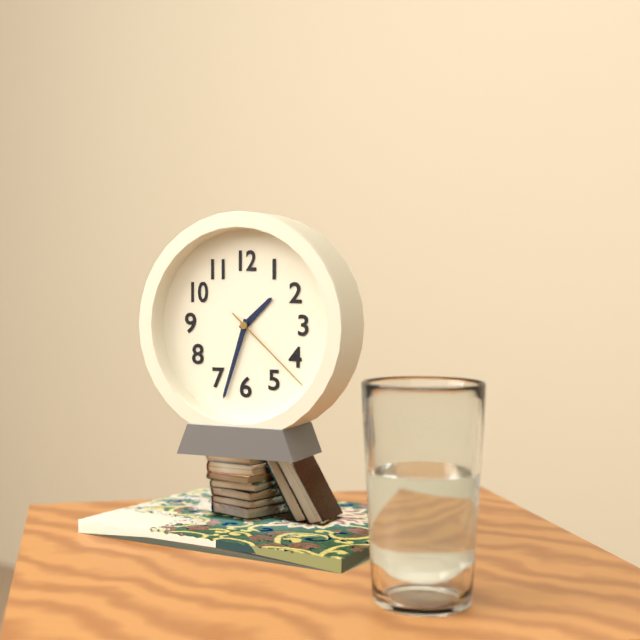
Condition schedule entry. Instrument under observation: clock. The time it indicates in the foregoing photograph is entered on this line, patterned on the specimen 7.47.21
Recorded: 1.33.22
